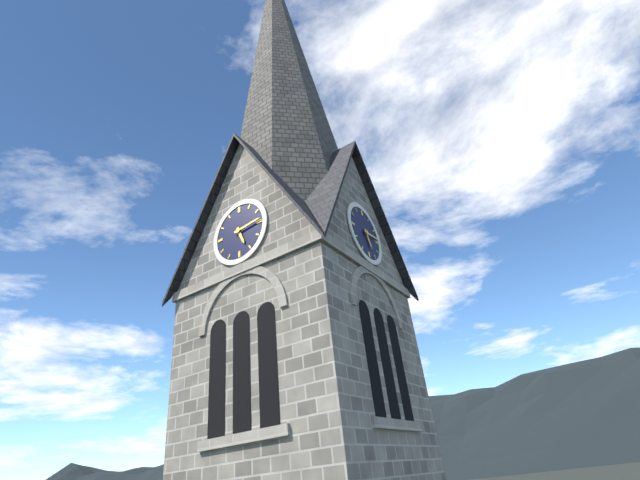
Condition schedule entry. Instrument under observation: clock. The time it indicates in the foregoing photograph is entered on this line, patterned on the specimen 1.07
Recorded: 5.14
